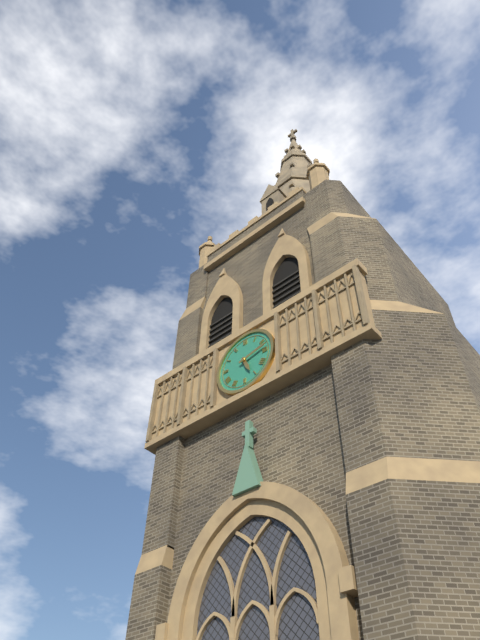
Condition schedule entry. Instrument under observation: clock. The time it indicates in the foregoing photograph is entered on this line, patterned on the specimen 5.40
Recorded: 5.13
